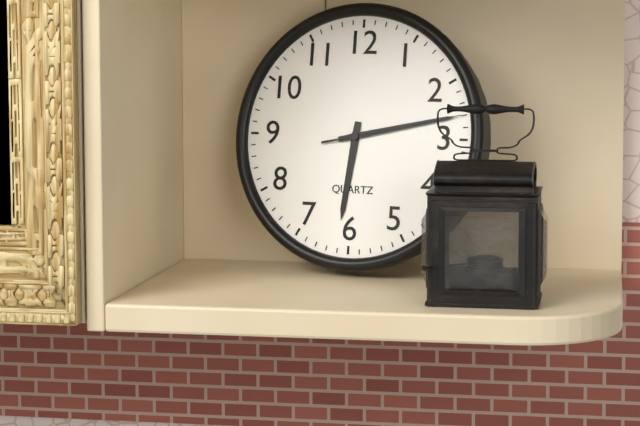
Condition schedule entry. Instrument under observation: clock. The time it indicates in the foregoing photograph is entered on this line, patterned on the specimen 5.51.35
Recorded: 6.13.13
